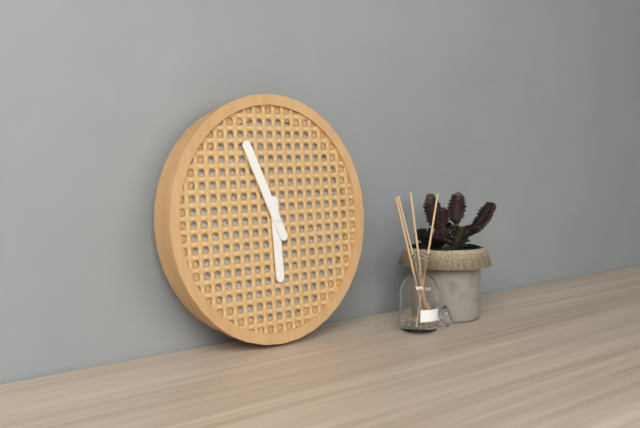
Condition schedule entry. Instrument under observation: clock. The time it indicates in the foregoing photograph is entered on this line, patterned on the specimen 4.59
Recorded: 5.56
